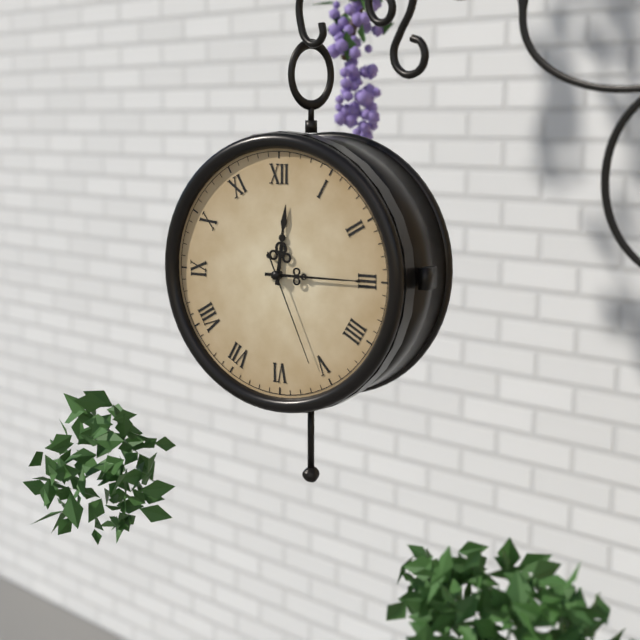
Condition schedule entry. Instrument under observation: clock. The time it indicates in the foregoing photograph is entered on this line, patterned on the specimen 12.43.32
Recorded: 12.15.26
